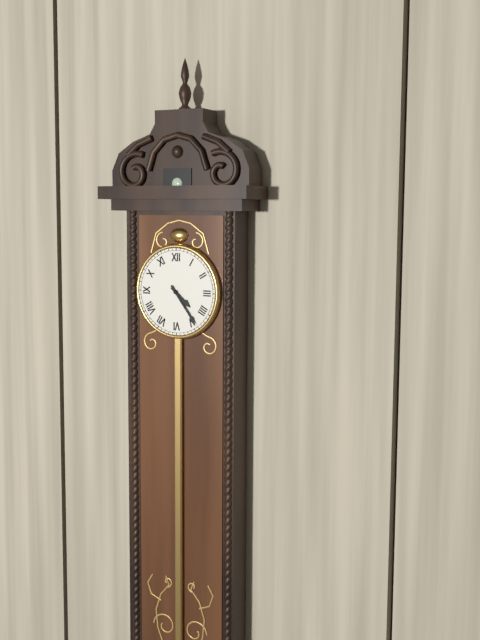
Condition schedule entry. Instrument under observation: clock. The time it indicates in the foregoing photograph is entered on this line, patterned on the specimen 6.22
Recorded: 4.24
